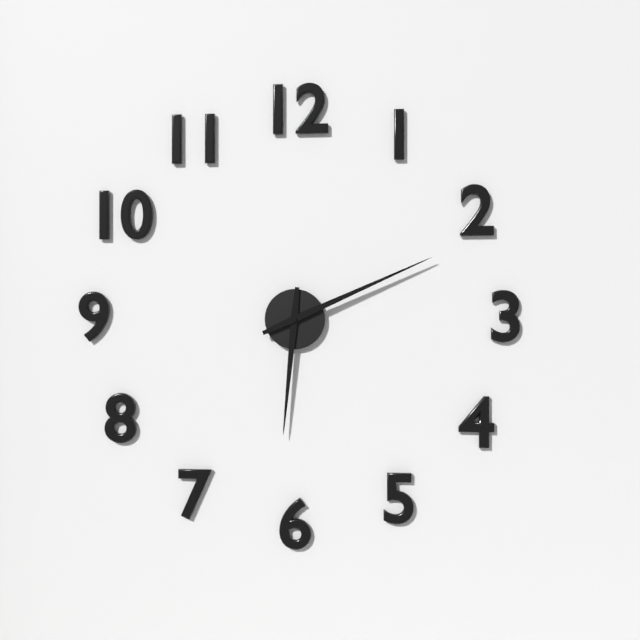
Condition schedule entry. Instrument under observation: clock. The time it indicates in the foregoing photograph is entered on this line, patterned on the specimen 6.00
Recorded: 6.11
